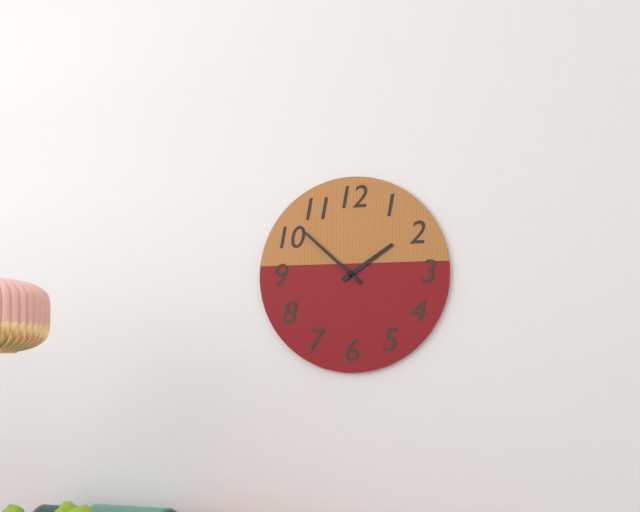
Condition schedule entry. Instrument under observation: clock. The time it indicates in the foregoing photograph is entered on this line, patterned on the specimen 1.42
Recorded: 1.52
